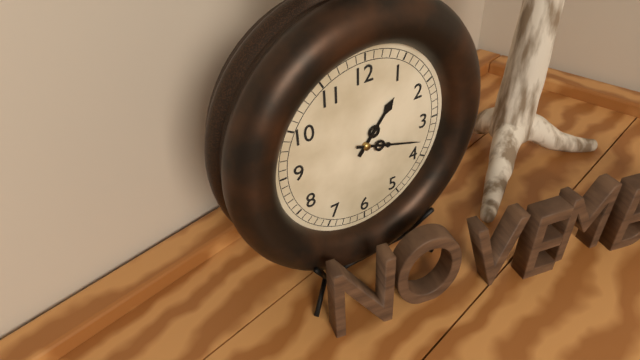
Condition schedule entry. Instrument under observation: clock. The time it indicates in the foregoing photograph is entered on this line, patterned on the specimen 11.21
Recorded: 1.18
